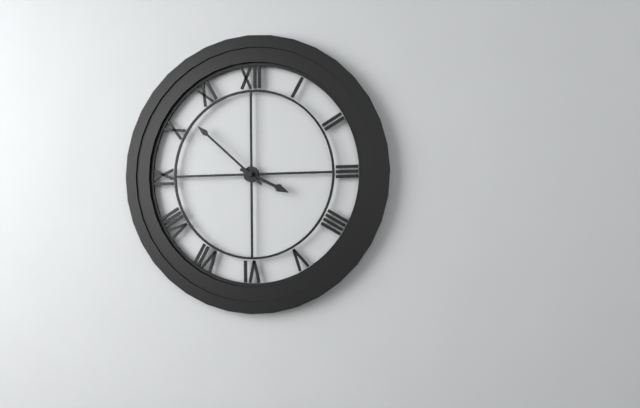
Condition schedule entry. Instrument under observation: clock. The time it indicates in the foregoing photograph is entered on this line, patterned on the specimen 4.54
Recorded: 3.52
